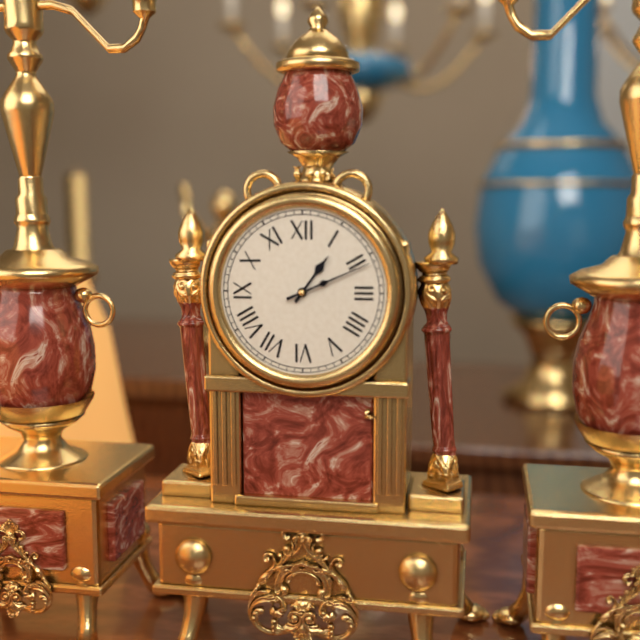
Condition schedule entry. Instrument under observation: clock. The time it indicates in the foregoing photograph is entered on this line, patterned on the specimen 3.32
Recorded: 1.11
